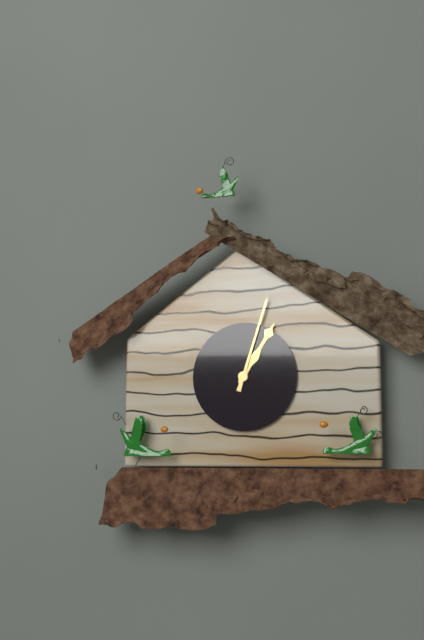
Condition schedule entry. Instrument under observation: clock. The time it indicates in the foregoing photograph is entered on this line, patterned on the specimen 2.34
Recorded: 1.03
